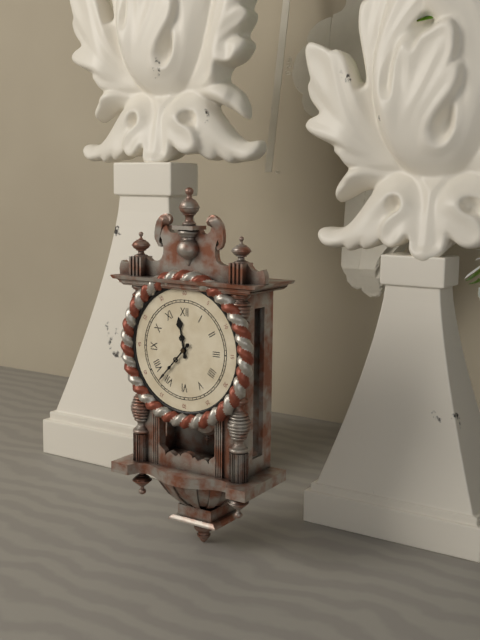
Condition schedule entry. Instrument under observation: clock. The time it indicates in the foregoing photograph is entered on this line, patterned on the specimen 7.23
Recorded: 11.37
